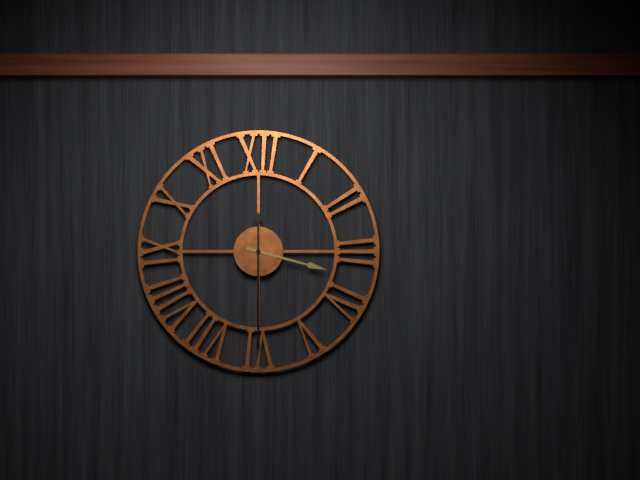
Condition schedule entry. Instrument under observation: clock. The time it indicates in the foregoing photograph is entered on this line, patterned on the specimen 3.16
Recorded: 3.30
